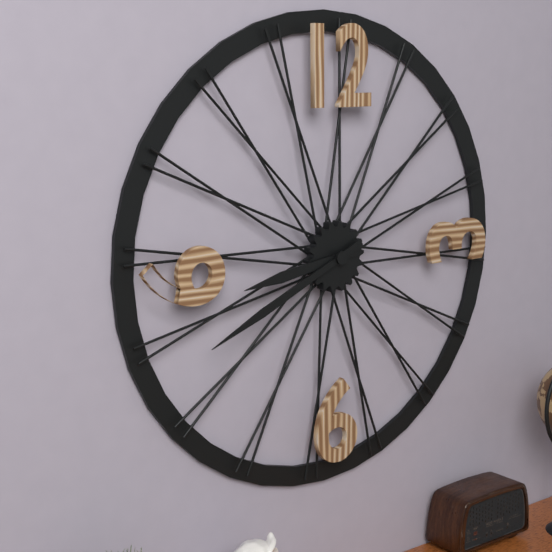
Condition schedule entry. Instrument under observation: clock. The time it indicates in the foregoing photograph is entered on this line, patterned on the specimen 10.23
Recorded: 8.41
